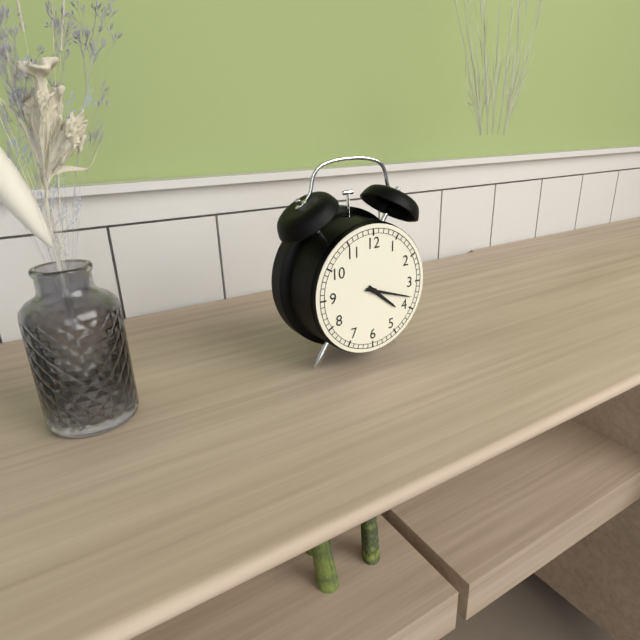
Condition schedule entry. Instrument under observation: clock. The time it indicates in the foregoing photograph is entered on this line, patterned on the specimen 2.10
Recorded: 4.18
